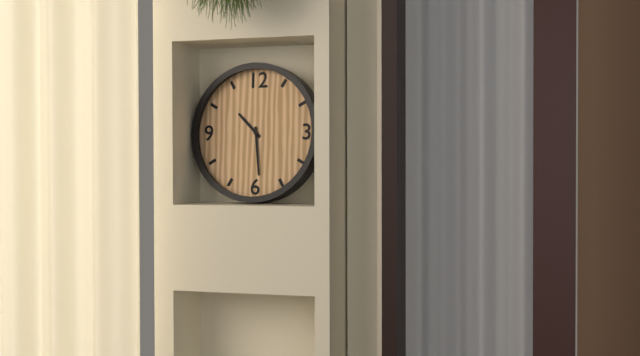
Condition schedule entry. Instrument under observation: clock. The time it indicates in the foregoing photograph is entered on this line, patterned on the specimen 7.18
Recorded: 10.29
